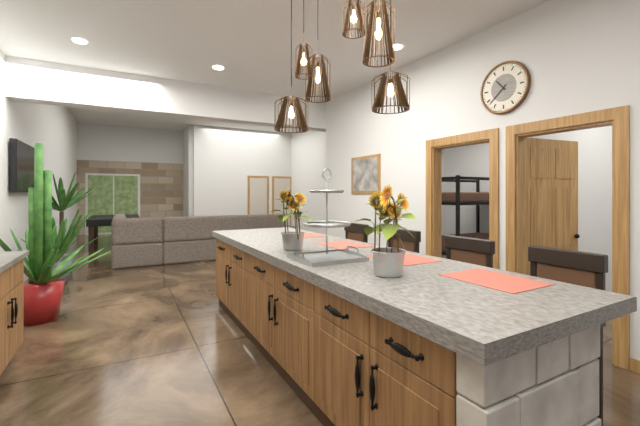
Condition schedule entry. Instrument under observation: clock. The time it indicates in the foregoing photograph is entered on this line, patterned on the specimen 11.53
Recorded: 10.38
